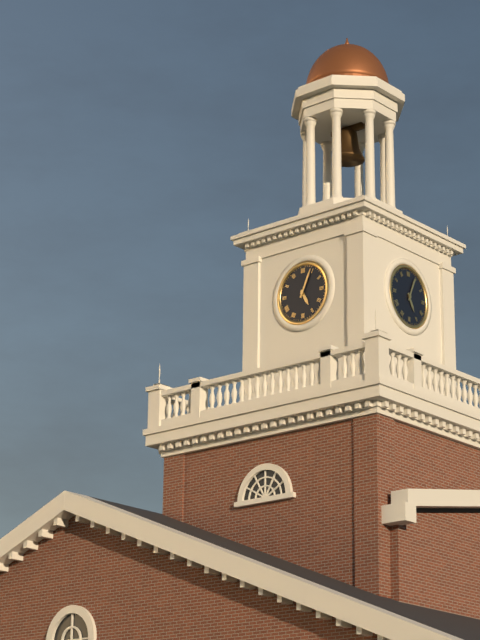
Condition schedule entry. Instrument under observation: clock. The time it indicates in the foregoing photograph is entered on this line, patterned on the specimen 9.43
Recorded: 5.04
